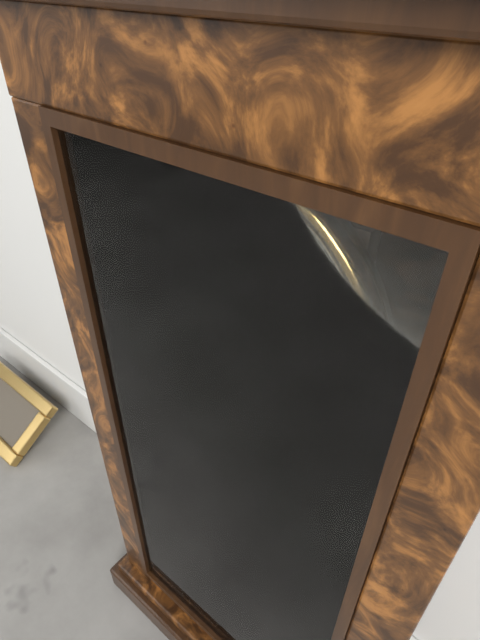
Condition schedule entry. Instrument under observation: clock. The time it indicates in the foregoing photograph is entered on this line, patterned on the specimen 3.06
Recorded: 12.59
